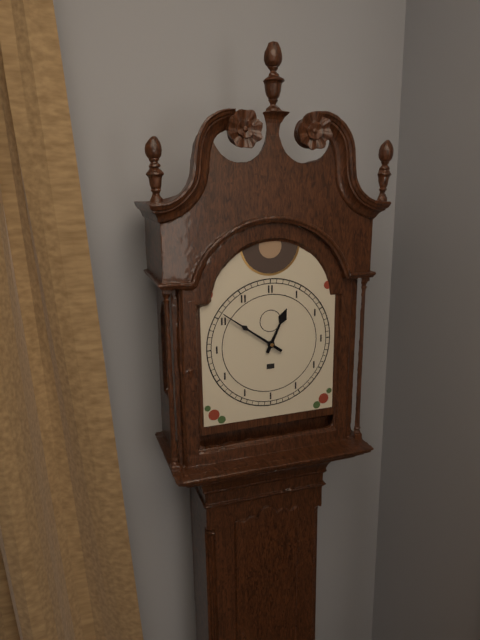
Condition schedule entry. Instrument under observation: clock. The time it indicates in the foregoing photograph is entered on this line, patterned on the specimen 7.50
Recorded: 12.51
